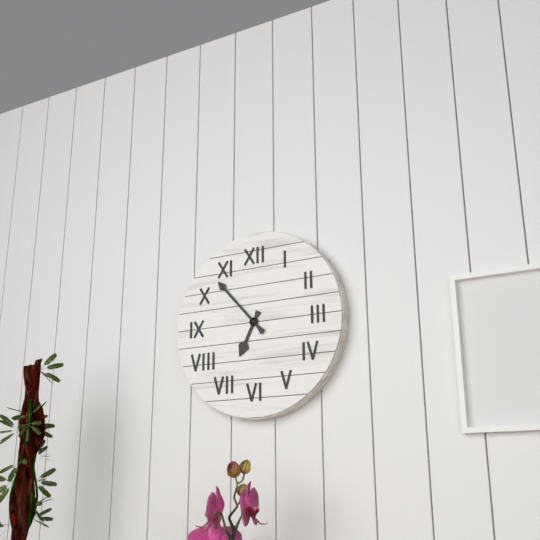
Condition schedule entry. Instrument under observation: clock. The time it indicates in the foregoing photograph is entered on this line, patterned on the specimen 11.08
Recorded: 6.53
